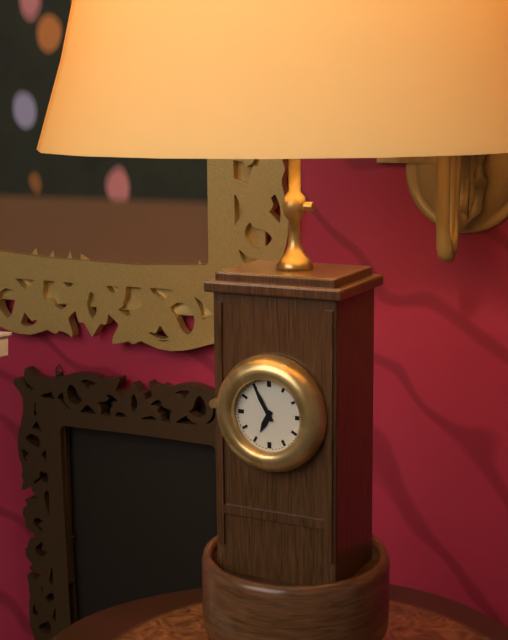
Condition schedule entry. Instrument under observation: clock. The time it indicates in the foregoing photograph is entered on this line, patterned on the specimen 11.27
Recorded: 6.55
